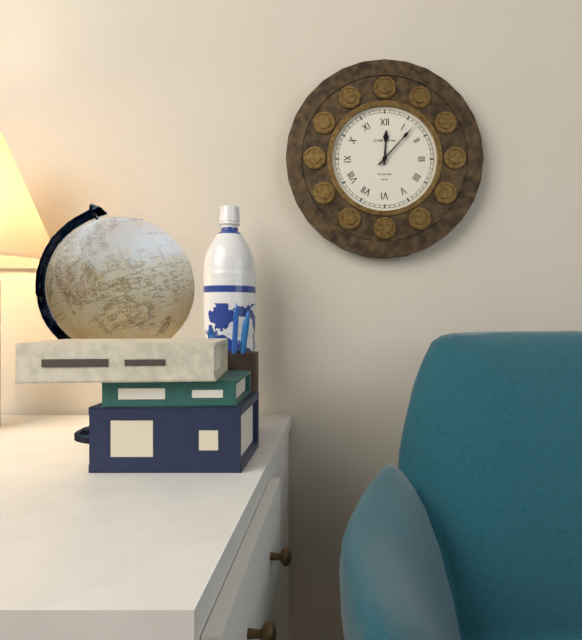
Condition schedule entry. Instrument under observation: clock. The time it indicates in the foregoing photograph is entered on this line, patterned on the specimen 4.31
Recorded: 12.07
